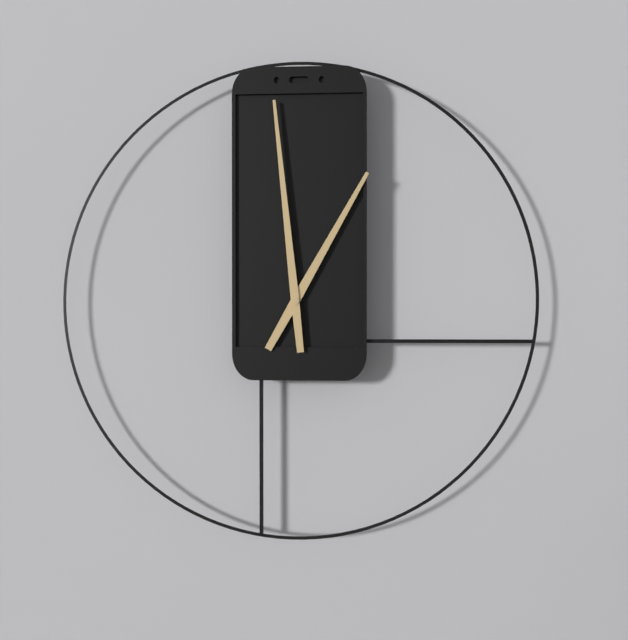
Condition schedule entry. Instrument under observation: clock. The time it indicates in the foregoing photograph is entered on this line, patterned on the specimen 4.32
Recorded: 12.59
